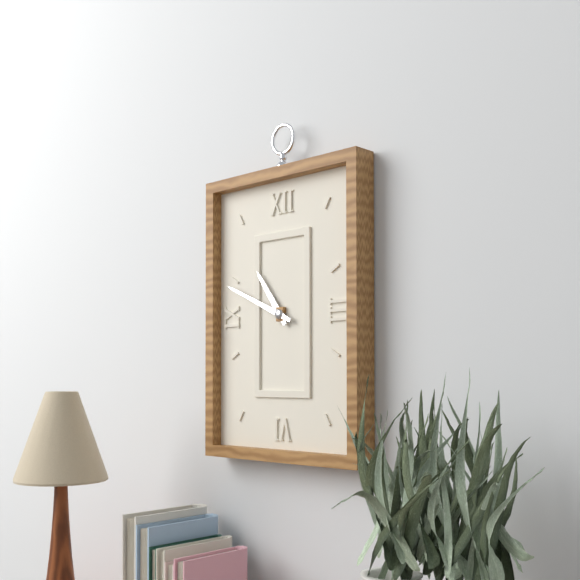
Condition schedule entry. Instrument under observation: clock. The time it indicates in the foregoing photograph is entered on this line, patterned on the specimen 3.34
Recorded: 10.49
